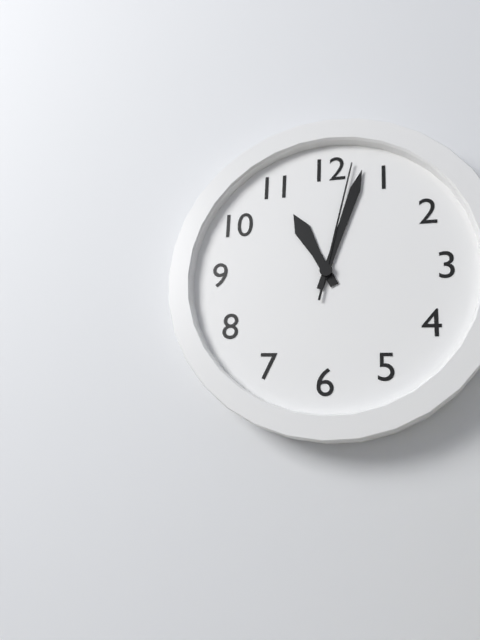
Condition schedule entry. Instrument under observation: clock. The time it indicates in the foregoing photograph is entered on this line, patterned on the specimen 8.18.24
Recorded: 11.03.02
